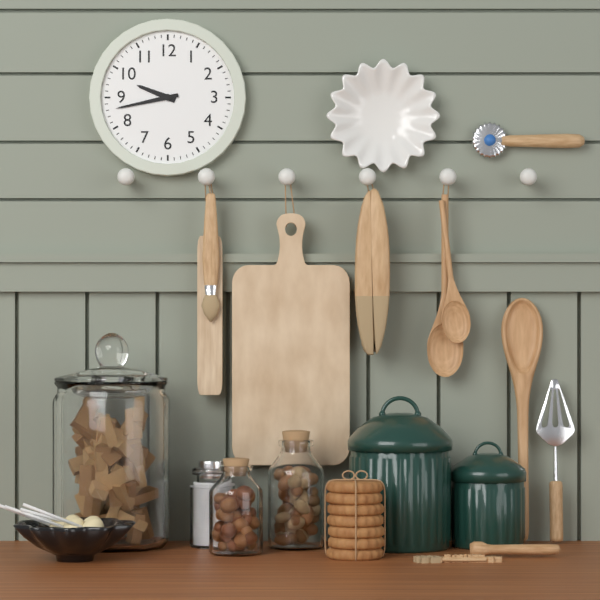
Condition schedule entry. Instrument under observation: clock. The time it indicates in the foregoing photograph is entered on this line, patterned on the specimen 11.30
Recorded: 9.43
